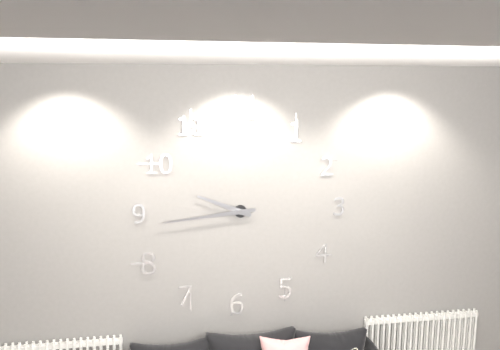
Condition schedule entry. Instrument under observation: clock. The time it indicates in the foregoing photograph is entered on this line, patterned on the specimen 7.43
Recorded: 9.44
